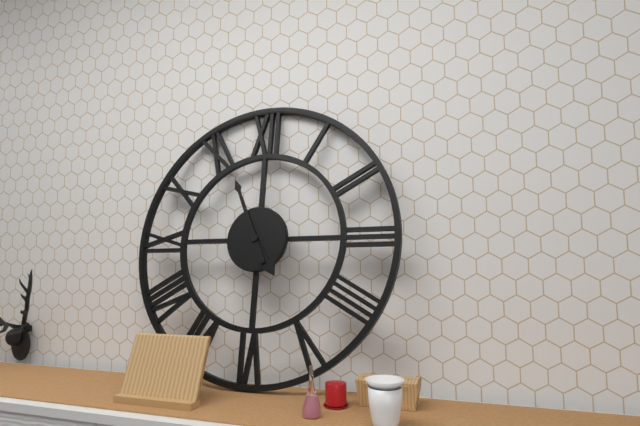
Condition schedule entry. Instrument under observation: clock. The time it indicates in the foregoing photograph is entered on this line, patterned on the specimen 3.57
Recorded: 4.56
